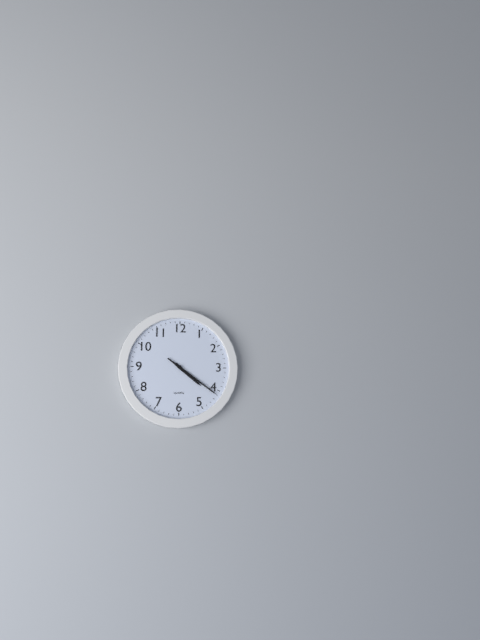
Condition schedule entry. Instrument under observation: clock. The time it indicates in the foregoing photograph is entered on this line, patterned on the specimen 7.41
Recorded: 4.21
